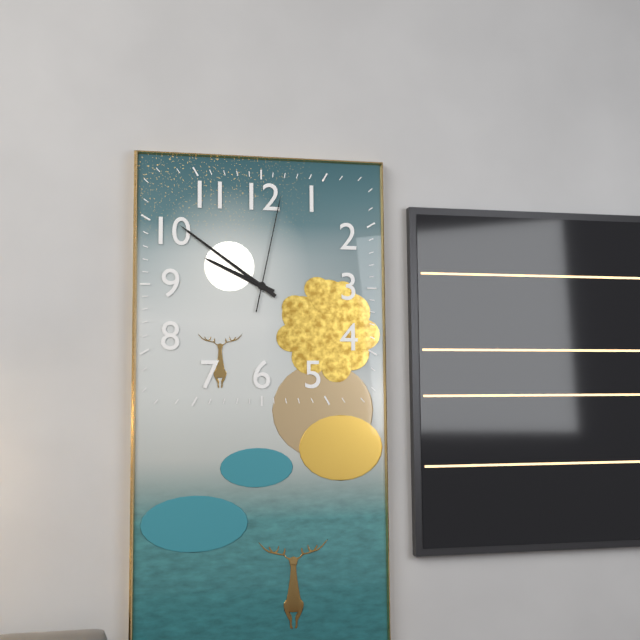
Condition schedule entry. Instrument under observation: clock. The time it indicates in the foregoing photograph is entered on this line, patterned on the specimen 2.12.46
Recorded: 9.51.02
